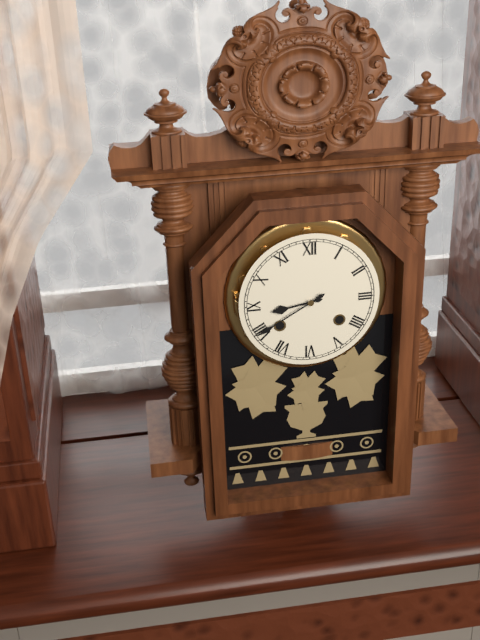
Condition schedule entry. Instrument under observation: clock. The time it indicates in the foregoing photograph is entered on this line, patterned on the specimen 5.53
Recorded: 8.40
